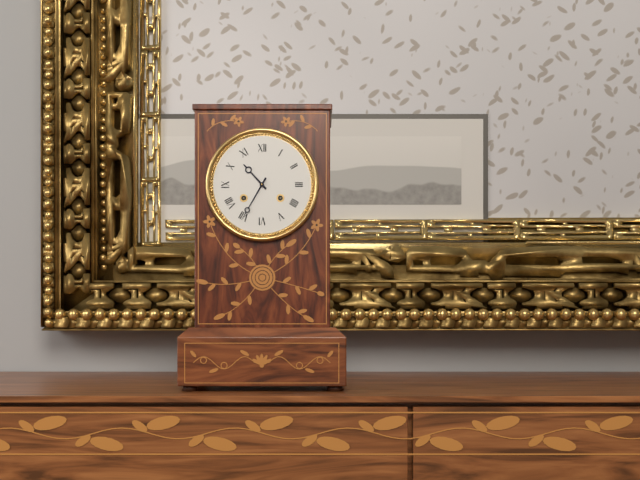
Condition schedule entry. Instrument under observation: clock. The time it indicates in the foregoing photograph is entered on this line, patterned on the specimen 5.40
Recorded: 10.35
